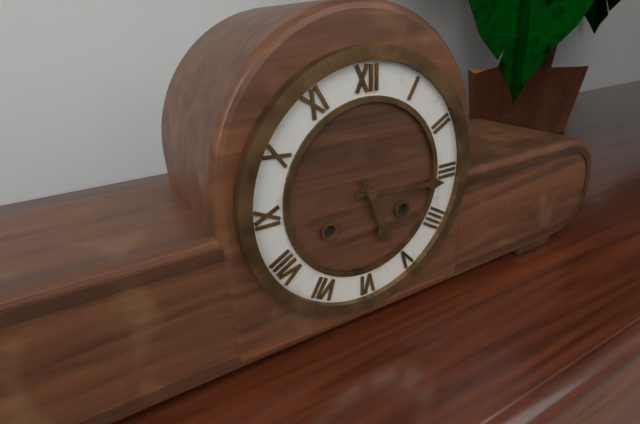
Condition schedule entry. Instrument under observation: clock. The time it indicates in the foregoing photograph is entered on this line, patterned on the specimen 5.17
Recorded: 5.16
